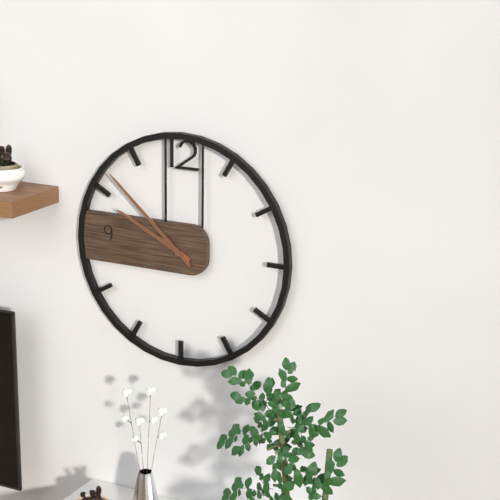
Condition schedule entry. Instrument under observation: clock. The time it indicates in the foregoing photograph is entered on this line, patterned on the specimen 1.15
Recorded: 9.52
